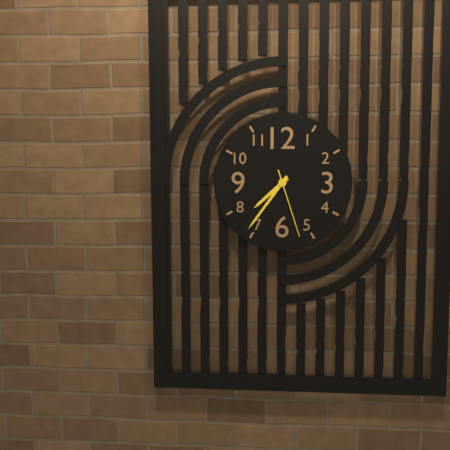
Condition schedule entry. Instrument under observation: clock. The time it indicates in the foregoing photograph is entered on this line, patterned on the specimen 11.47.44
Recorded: 7.36.27
